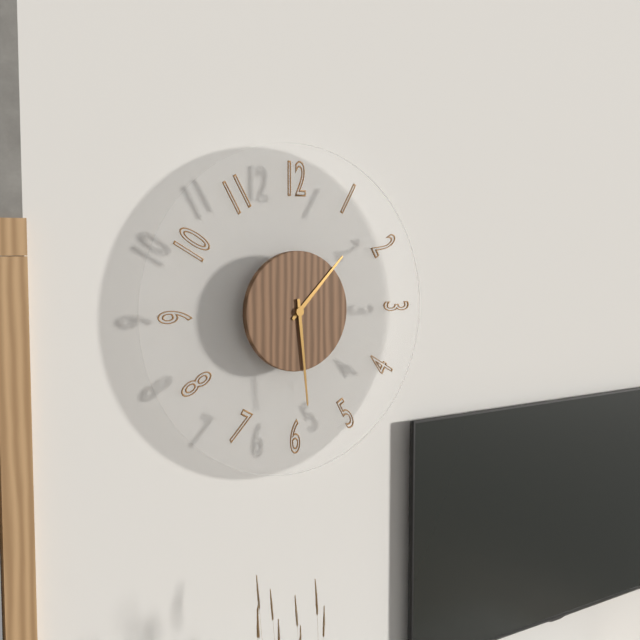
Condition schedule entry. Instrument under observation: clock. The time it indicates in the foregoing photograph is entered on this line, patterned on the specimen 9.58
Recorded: 1.29
